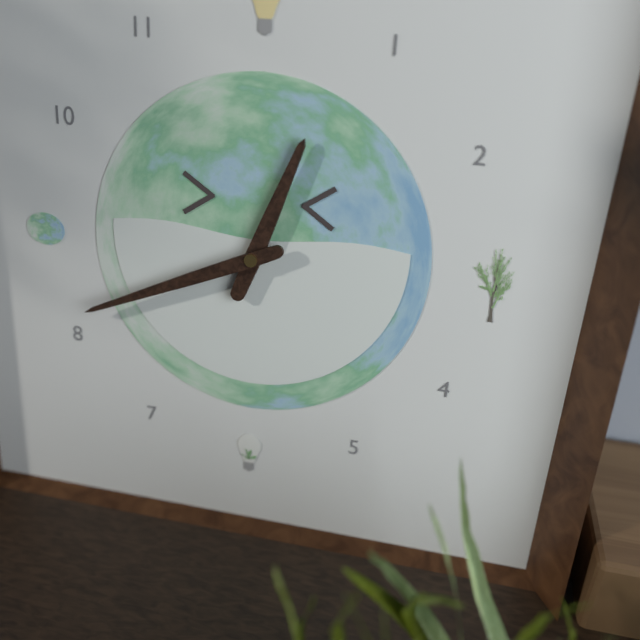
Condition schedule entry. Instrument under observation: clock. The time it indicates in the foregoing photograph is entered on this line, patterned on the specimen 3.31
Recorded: 12.41
